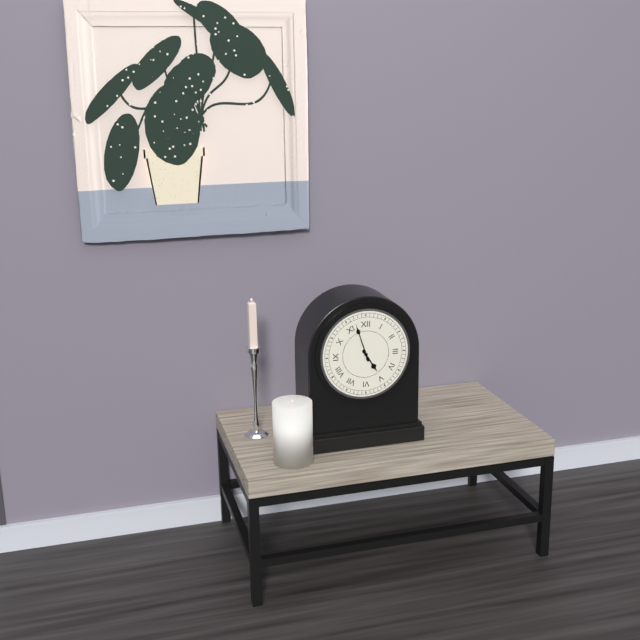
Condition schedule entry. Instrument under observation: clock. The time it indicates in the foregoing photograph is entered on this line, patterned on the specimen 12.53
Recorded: 4.57
